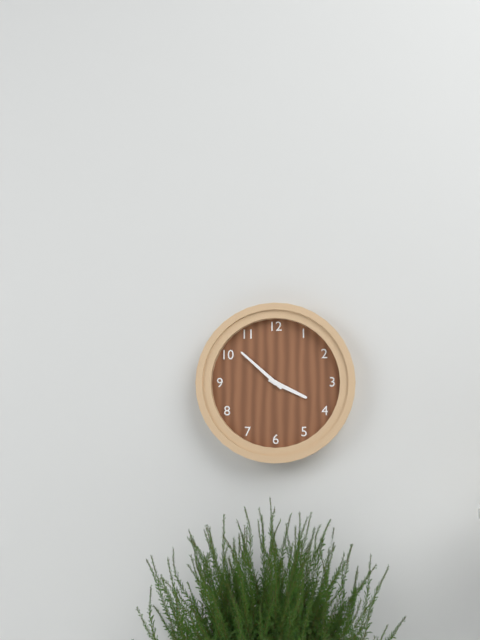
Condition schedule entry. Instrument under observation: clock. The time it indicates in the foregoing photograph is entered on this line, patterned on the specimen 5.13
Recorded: 3.52
